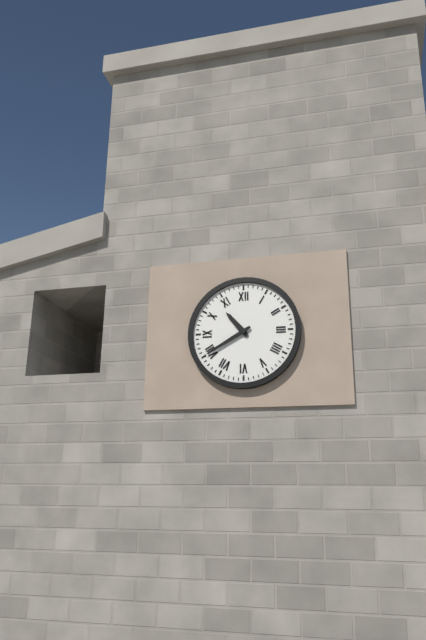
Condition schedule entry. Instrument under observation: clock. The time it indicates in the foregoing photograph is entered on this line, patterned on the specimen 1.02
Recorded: 10.40
